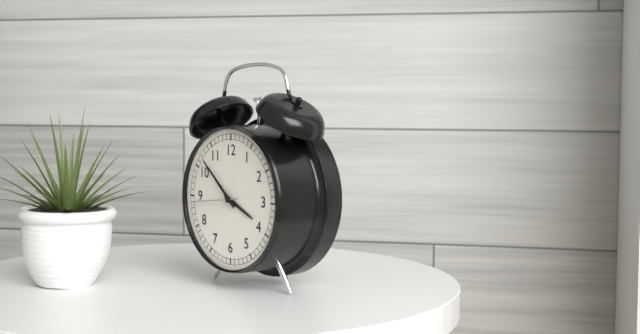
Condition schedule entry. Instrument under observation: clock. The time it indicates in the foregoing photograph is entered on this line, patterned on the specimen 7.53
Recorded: 3.52
